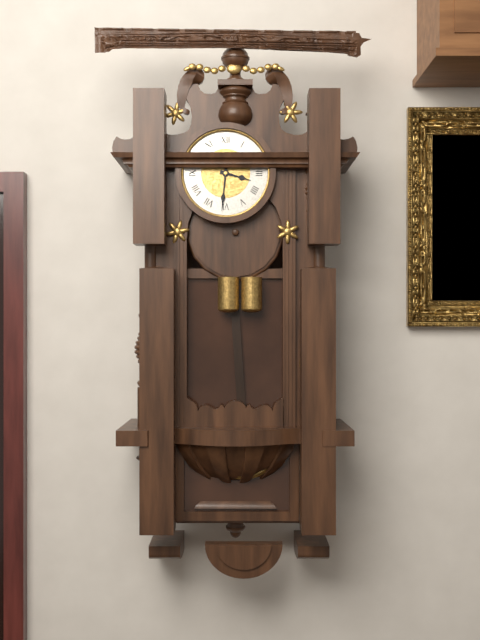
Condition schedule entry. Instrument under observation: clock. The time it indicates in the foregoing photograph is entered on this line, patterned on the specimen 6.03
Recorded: 3.31
